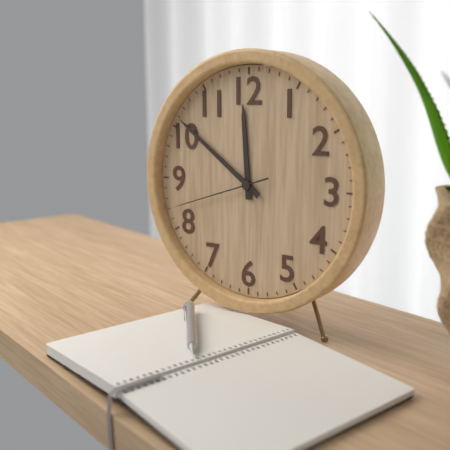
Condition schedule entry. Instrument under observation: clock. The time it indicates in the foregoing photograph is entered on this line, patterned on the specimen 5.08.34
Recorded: 11.51.42
